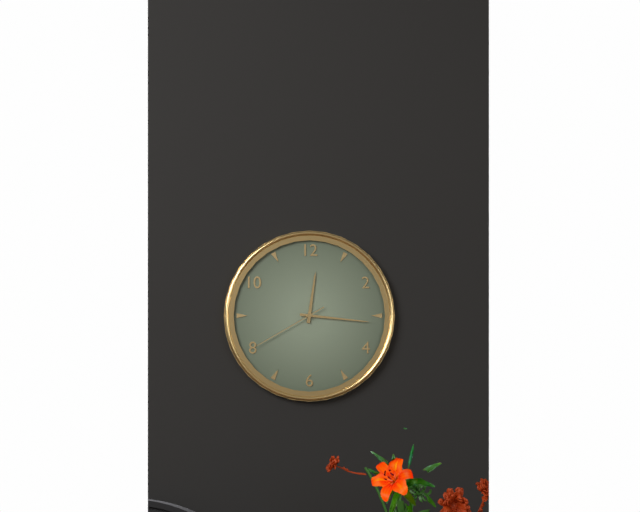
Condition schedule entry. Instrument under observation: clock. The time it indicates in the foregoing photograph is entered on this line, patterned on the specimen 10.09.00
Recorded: 12.16.40
